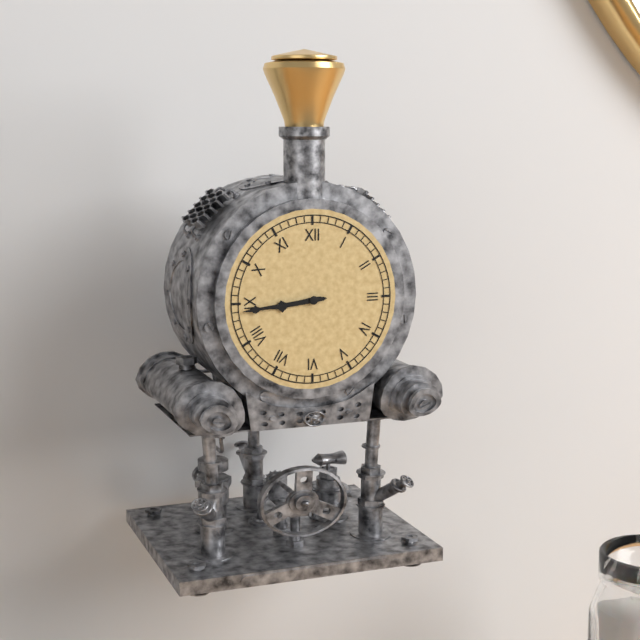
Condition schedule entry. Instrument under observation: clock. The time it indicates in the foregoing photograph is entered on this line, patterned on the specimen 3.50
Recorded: 8.44
